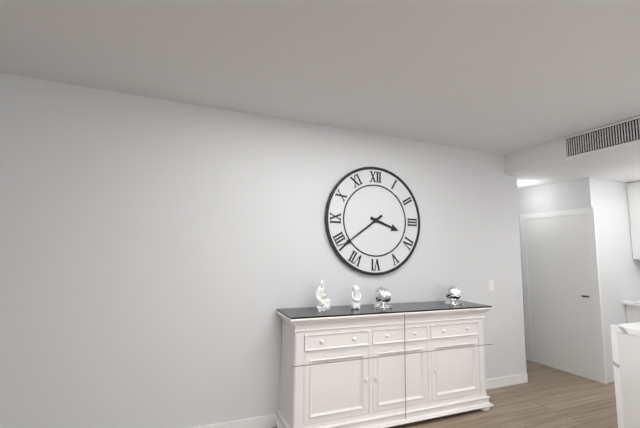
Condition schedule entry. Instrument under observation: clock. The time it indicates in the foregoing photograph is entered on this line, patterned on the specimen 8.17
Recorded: 3.39
